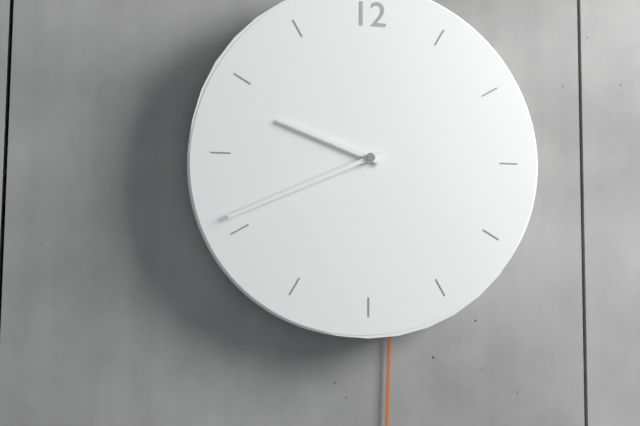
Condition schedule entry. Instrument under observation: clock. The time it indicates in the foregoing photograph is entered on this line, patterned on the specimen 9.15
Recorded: 9.41
